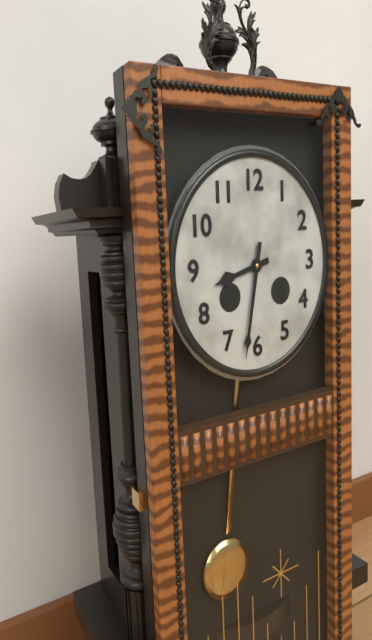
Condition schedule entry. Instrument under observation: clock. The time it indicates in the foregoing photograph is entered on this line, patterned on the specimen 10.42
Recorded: 8.32
